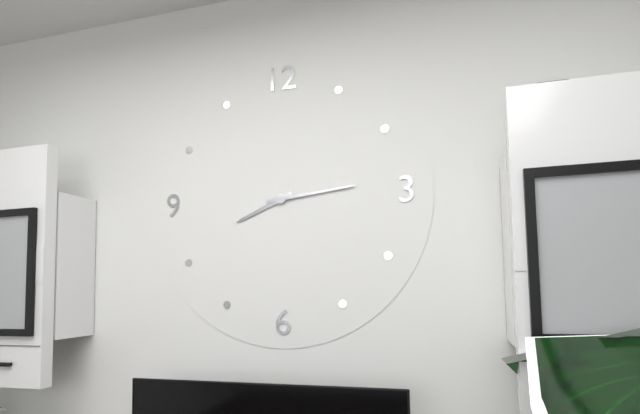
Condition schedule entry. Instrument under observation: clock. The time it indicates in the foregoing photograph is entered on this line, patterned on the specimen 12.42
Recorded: 8.14
